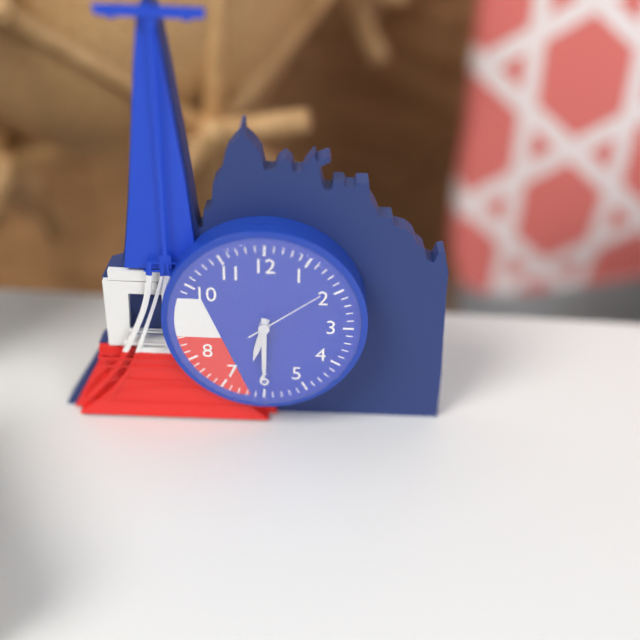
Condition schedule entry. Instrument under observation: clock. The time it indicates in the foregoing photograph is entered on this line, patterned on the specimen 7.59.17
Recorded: 6.30.09
